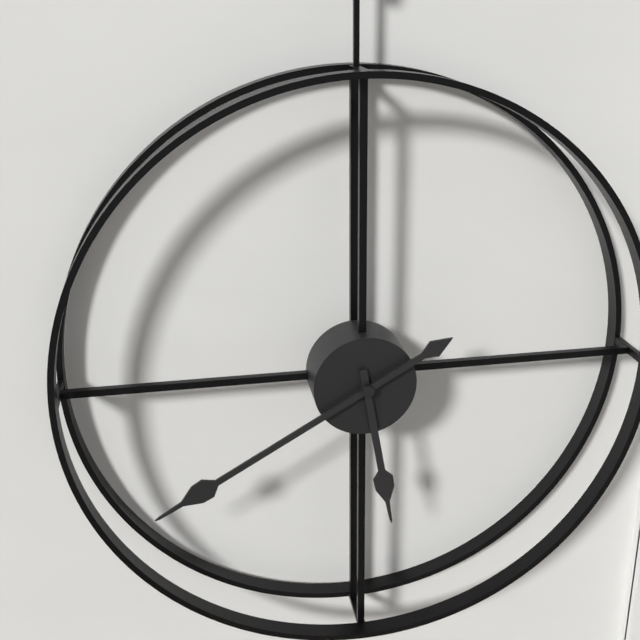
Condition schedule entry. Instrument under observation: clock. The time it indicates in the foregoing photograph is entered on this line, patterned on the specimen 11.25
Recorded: 5.40
